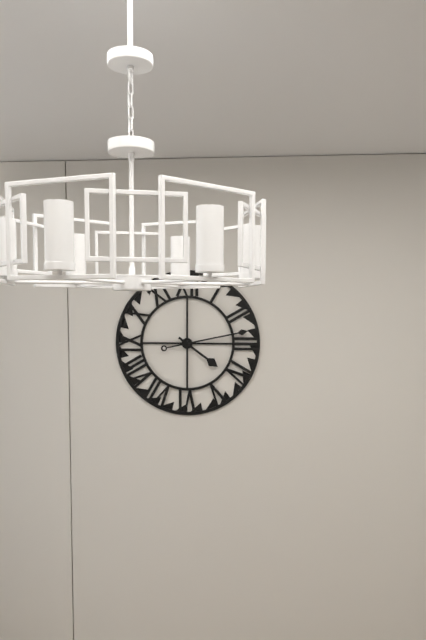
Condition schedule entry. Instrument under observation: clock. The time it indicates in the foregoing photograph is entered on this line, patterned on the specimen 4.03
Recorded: 4.13
